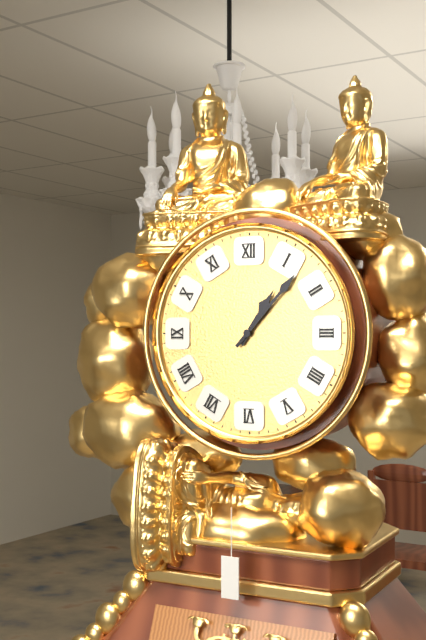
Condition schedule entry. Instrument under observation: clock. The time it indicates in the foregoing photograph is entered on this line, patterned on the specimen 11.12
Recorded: 1.07
